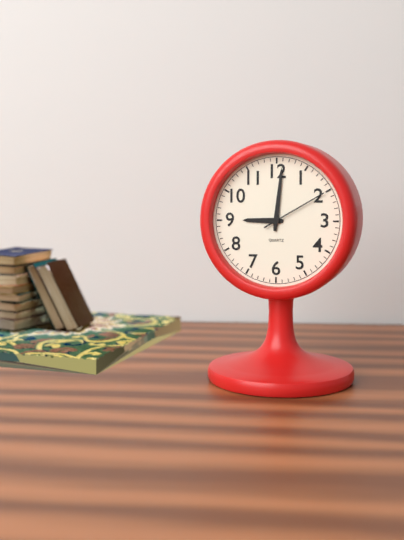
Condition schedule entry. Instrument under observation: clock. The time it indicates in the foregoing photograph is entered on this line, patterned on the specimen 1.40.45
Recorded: 9.01.10
